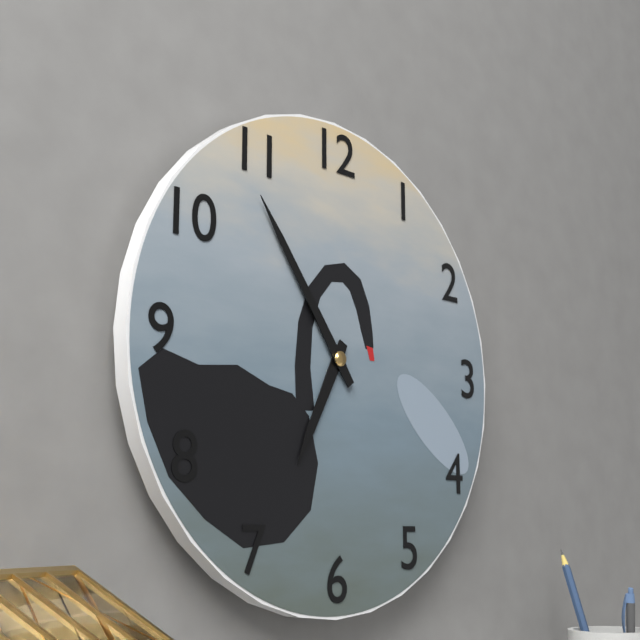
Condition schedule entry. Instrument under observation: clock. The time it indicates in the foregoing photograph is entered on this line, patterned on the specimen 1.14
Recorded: 6.54
